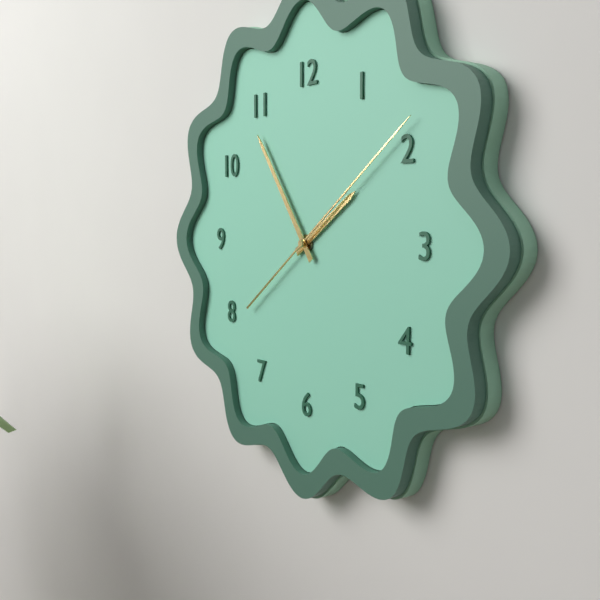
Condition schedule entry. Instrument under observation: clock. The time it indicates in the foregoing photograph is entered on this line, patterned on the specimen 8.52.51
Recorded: 1.54.09
